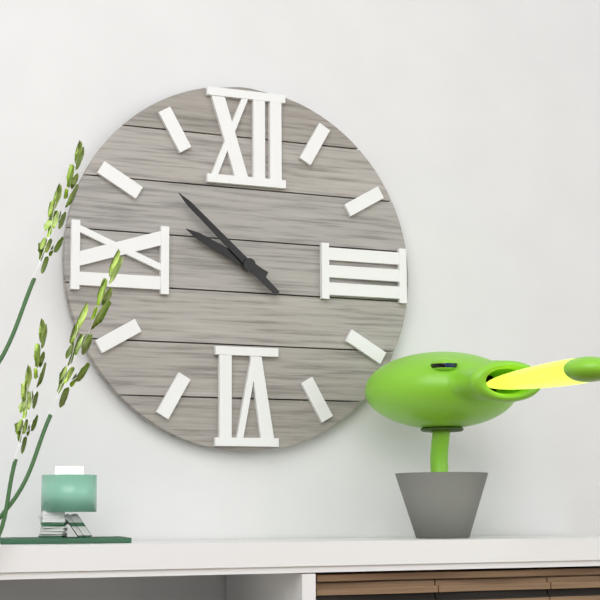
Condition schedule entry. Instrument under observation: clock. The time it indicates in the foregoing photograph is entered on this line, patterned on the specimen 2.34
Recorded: 9.52
